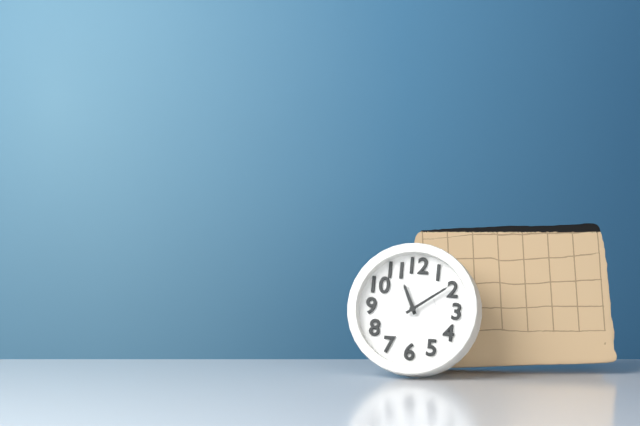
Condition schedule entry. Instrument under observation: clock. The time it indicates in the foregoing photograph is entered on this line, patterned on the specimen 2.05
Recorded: 11.09
